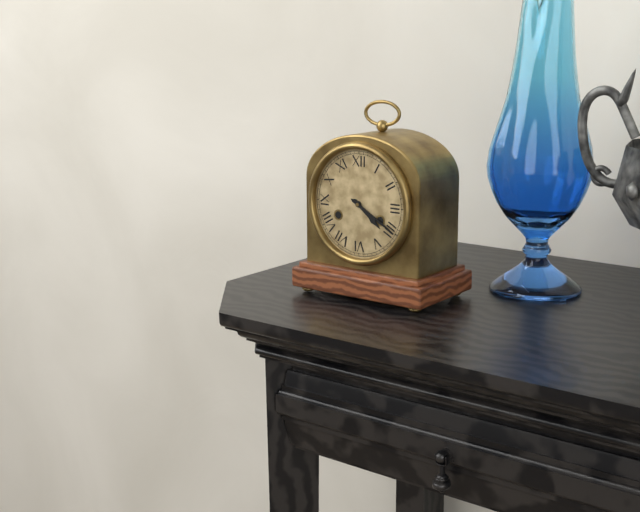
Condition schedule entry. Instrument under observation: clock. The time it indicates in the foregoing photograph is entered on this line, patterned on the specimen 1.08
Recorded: 4.20
